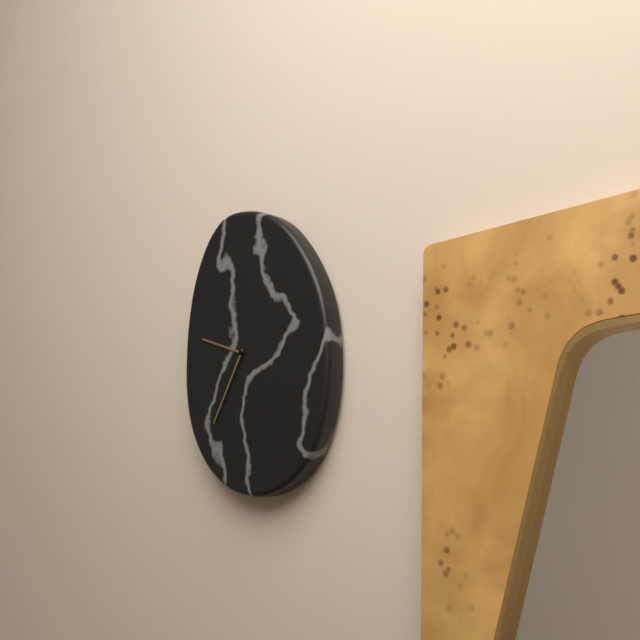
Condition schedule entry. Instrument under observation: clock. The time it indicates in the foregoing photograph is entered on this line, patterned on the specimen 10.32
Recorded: 9.35
